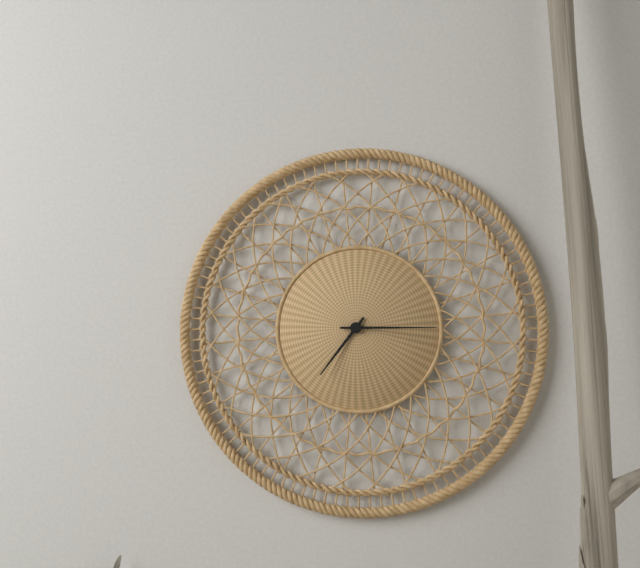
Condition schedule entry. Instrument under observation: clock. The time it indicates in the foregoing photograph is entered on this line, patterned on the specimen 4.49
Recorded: 7.15
